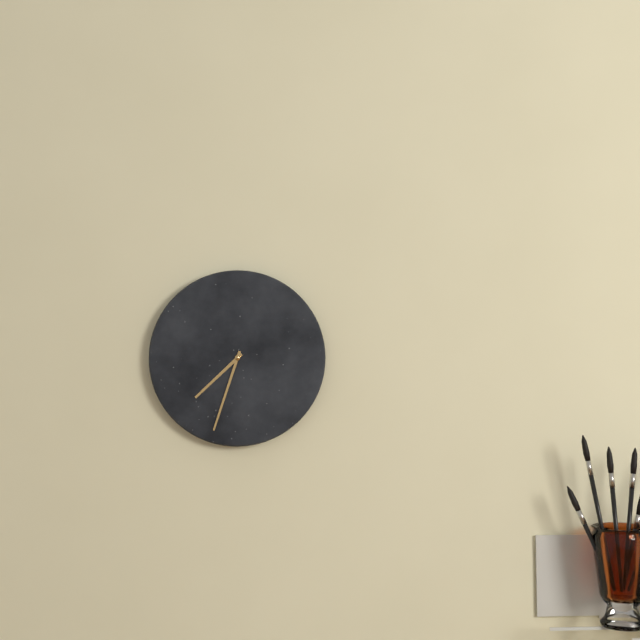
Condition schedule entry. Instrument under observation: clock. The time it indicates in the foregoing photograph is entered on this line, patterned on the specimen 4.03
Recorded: 7.33
